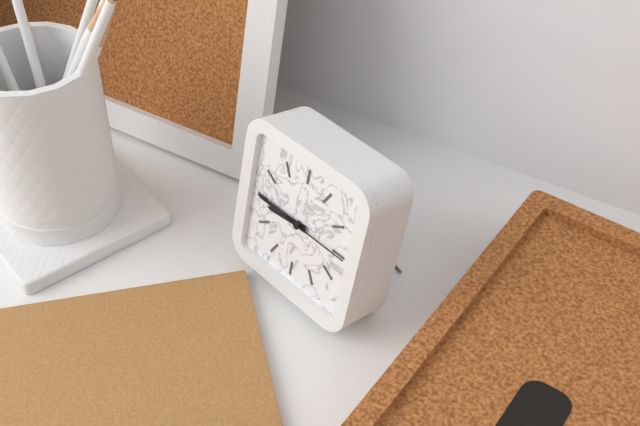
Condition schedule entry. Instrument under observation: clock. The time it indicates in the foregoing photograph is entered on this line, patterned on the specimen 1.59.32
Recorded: 8.45.15
